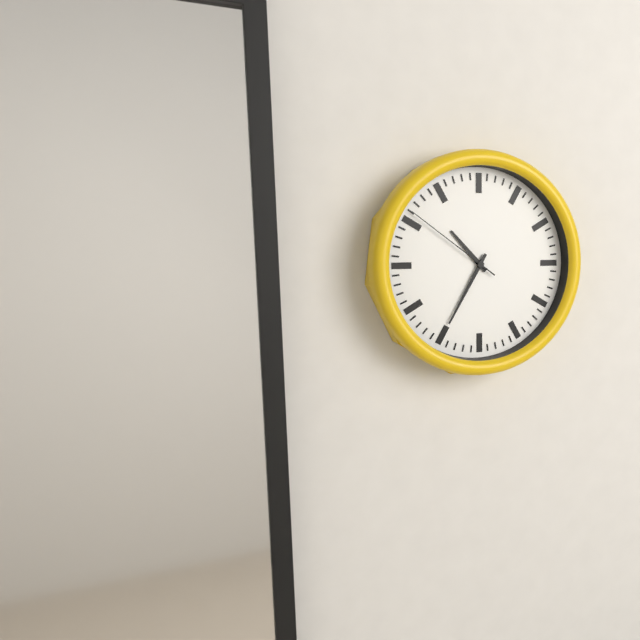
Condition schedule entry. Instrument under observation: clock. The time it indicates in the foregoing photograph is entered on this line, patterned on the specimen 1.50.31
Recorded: 10.35.51
